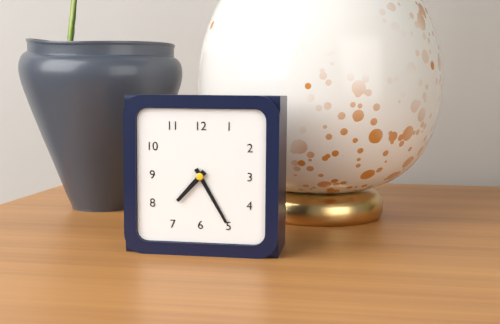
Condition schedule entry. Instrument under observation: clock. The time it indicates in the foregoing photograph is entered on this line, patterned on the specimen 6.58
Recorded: 7.25
